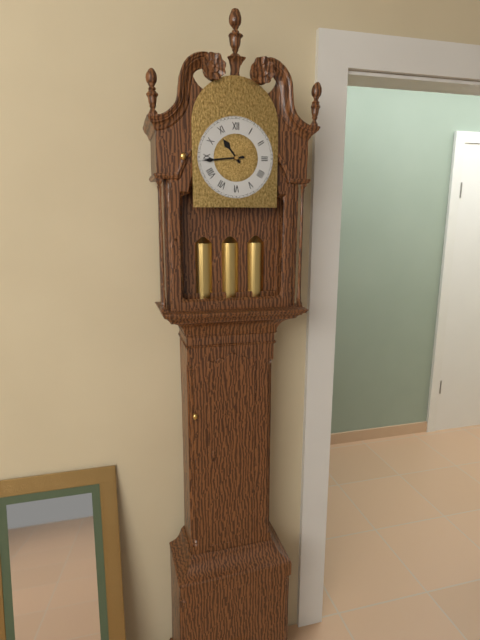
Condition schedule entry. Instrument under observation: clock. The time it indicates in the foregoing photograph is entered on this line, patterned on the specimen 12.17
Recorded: 10.44
